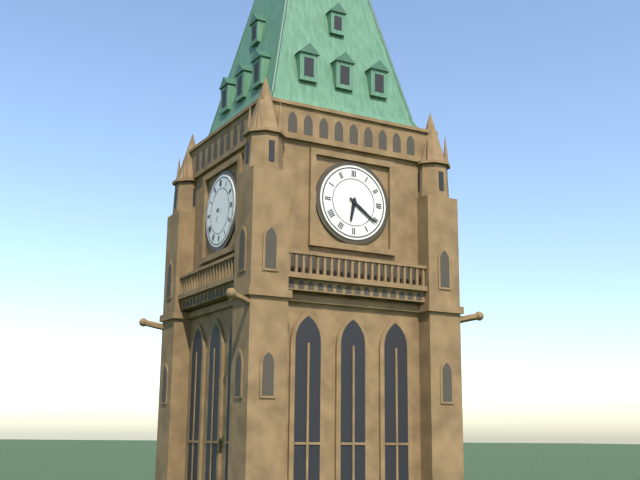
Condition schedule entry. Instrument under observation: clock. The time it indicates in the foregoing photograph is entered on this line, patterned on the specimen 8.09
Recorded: 6.21
